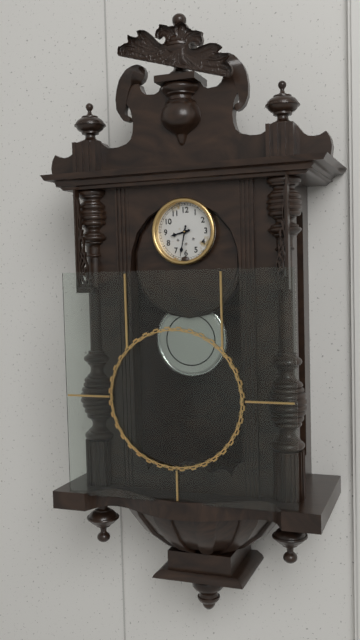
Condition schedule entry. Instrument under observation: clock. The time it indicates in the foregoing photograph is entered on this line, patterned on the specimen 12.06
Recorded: 8.32
